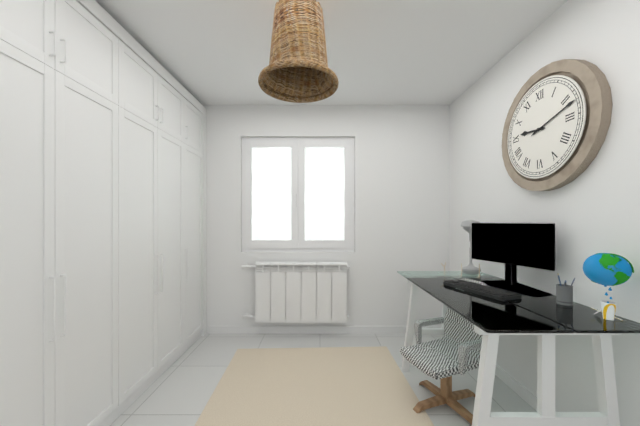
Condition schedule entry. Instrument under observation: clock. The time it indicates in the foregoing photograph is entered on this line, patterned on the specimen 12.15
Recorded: 9.12
